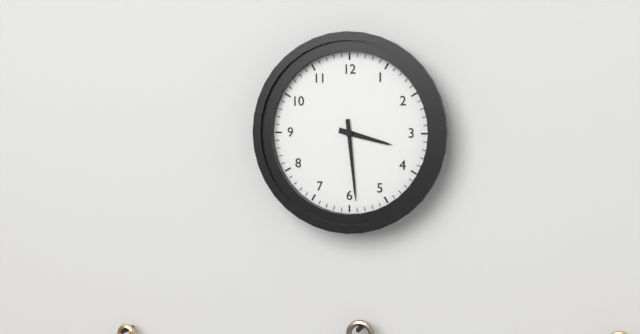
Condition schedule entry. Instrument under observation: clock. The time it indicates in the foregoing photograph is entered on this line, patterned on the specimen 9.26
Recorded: 3.29
